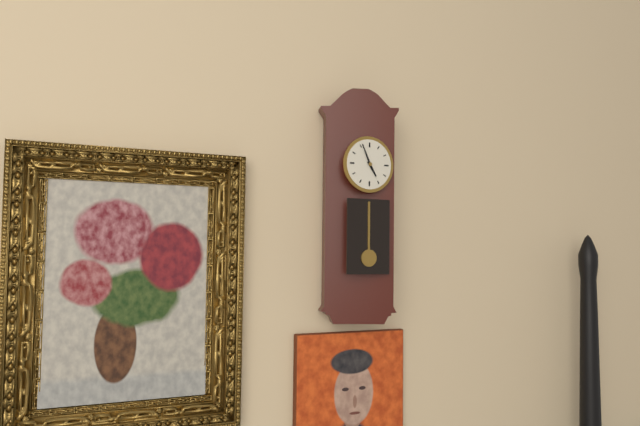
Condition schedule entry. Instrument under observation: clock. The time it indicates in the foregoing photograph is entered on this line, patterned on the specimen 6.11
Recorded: 4.56
